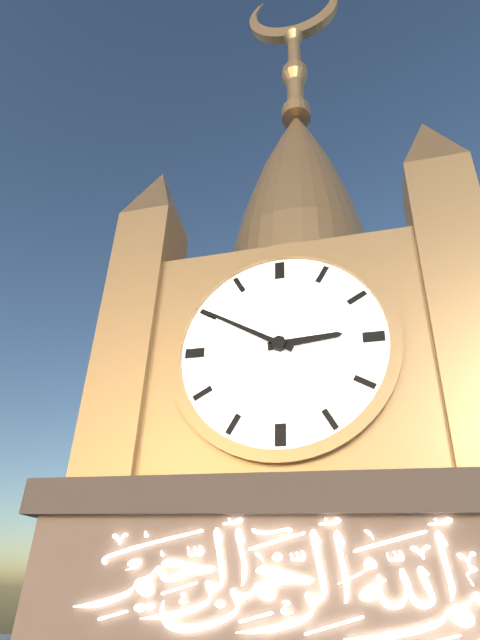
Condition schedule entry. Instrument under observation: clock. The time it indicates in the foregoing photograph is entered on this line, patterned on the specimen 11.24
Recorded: 2.50
